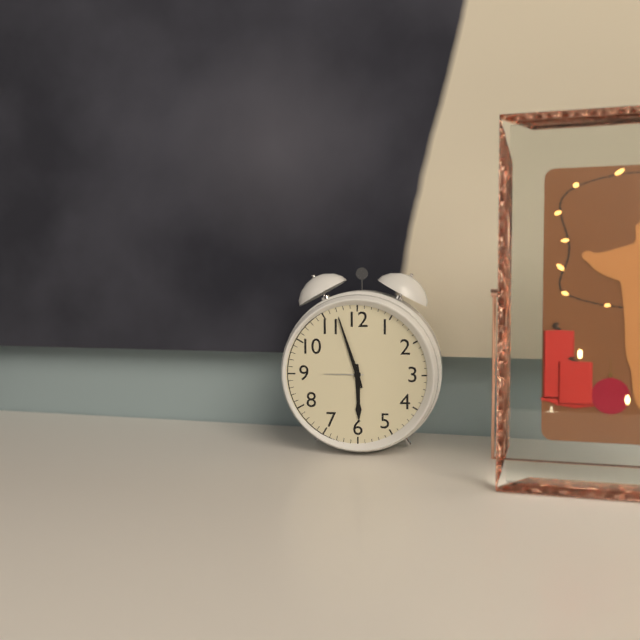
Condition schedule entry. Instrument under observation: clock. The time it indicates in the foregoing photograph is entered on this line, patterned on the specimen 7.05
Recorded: 5.57
